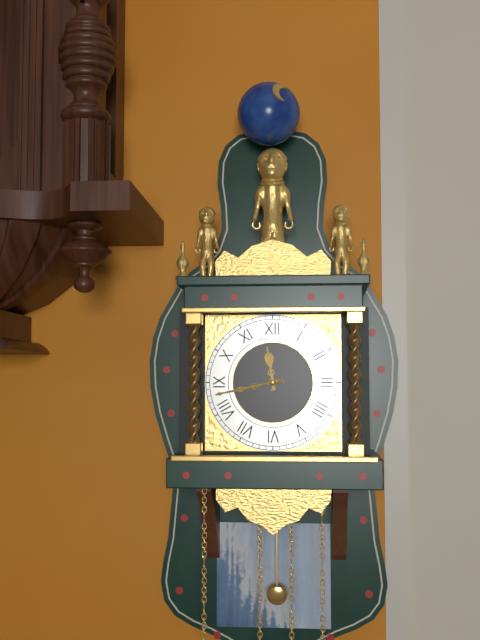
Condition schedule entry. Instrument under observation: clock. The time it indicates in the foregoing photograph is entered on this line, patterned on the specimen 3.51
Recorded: 11.43
